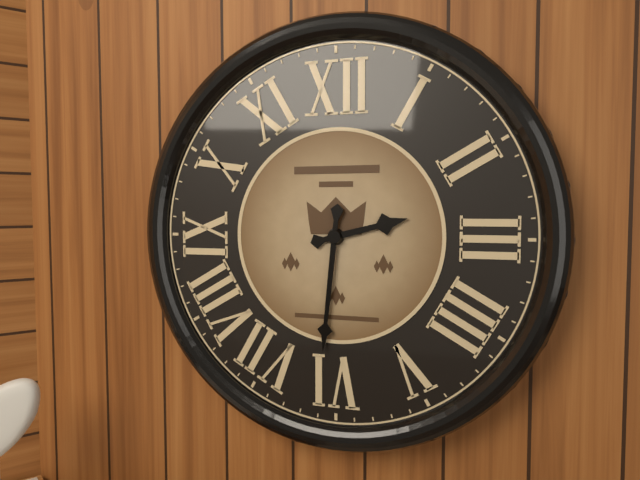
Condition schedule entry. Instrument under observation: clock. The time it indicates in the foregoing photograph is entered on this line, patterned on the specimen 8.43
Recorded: 2.31
